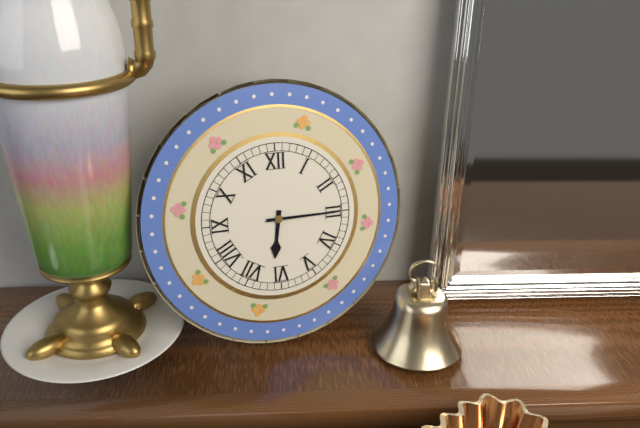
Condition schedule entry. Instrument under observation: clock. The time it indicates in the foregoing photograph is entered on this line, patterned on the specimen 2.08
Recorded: 6.15
